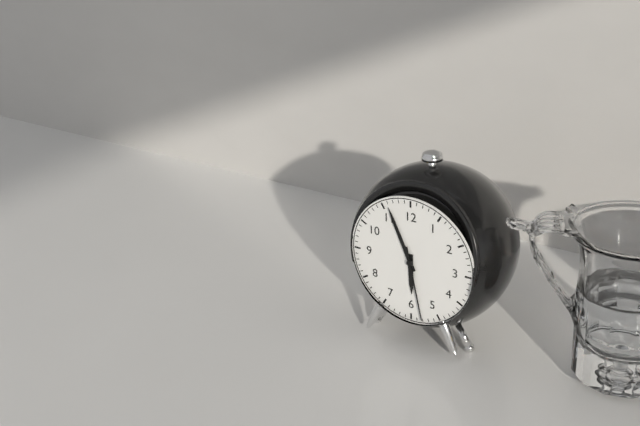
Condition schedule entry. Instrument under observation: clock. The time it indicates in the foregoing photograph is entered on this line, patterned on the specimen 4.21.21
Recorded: 5.56.28
